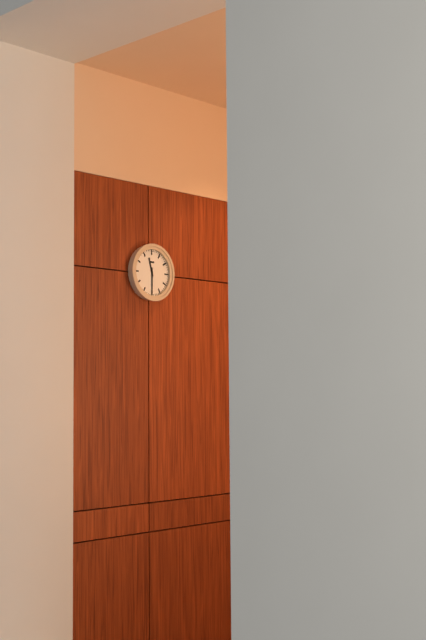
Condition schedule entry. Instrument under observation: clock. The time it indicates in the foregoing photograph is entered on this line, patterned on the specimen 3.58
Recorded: 11.30
